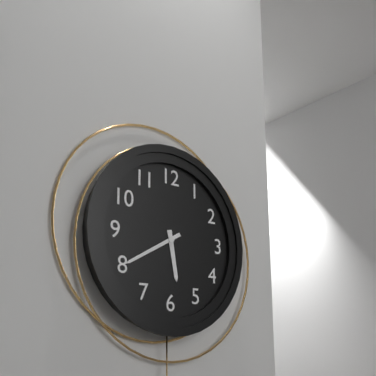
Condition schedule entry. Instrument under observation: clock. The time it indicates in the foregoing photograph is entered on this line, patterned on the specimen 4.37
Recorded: 5.40
